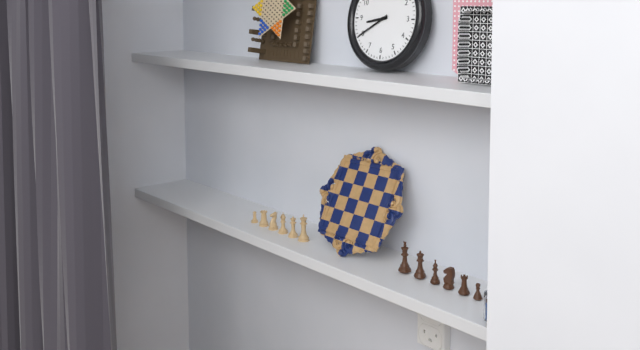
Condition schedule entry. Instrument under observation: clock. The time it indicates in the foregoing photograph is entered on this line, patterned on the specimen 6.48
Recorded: 8.40
